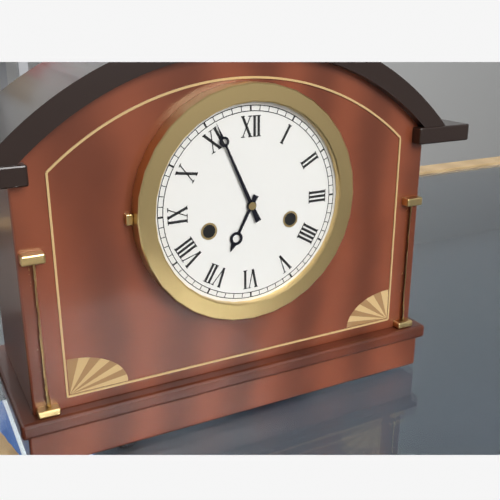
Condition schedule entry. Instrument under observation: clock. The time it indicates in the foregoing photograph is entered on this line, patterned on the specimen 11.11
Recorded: 6.56
